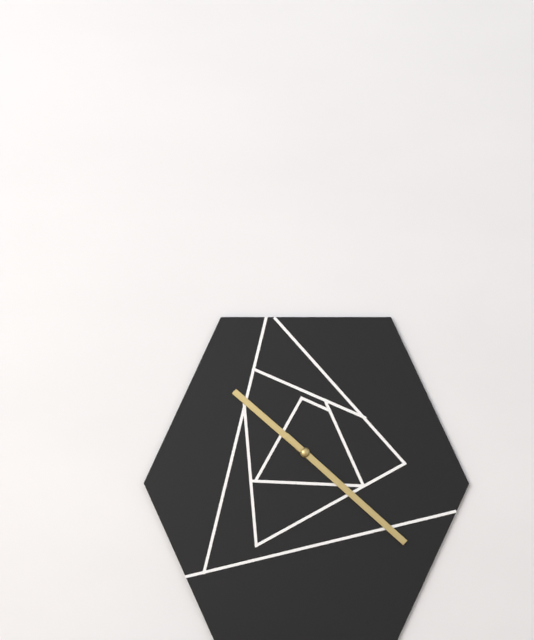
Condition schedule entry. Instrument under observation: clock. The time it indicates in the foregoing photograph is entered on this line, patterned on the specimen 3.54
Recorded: 10.22
